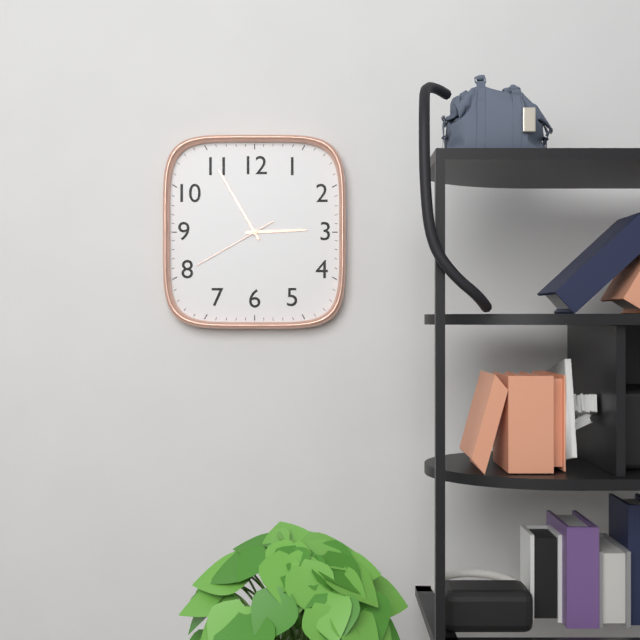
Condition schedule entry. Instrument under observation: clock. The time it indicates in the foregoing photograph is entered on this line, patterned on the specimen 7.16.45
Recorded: 2.55.40
